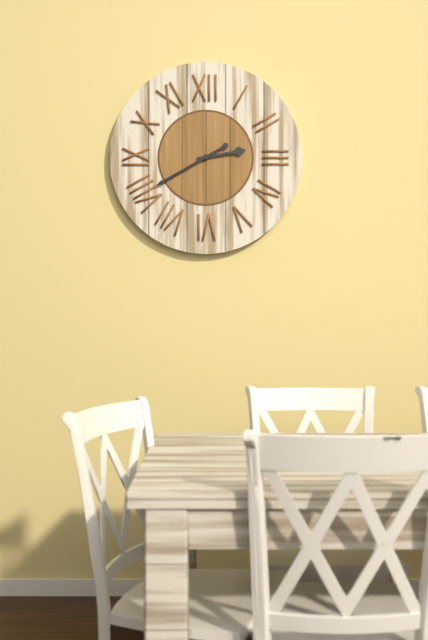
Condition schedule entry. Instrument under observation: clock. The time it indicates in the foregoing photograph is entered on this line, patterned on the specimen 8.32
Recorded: 2.40
